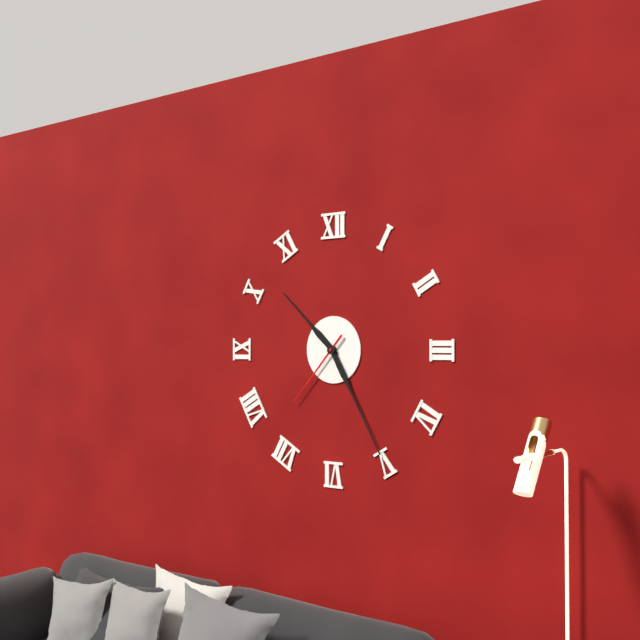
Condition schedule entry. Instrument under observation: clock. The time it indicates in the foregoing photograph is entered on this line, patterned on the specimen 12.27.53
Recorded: 10.25.37
